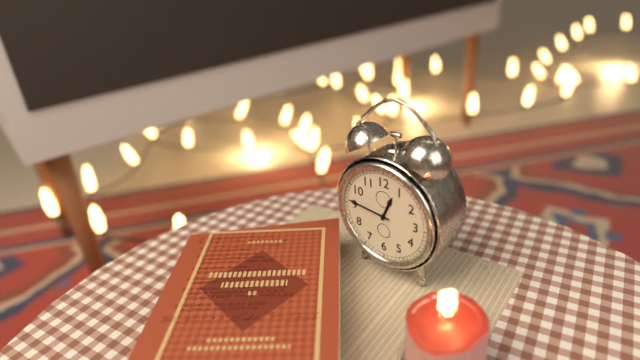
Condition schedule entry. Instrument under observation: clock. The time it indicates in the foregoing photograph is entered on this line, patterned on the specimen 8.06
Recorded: 12.46
